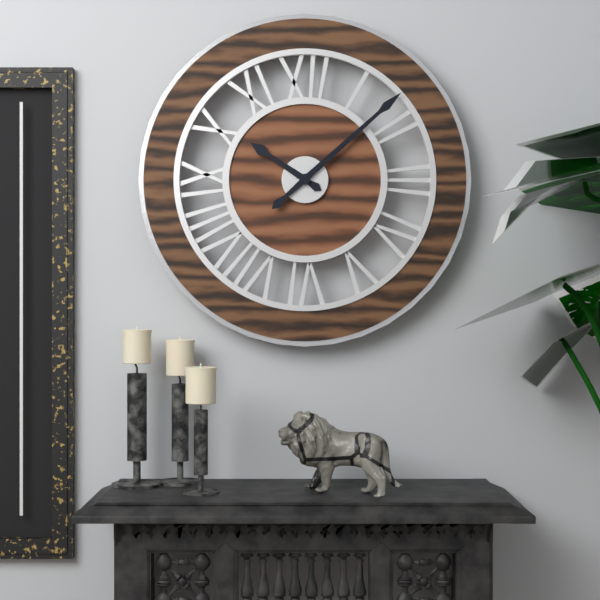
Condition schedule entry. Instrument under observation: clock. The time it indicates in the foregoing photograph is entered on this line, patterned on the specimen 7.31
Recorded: 10.08
